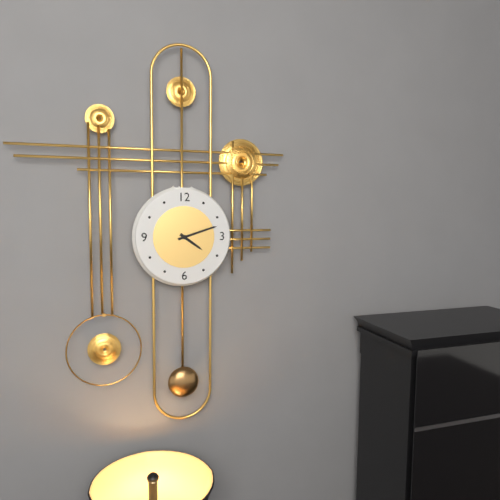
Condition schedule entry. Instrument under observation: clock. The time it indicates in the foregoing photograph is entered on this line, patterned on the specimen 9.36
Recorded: 4.12
